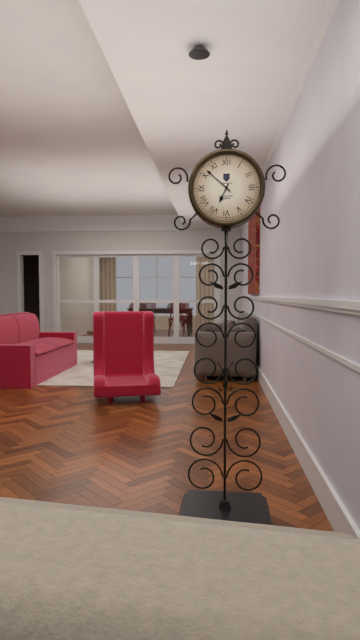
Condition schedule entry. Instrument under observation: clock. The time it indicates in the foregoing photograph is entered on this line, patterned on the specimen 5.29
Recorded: 6.52
